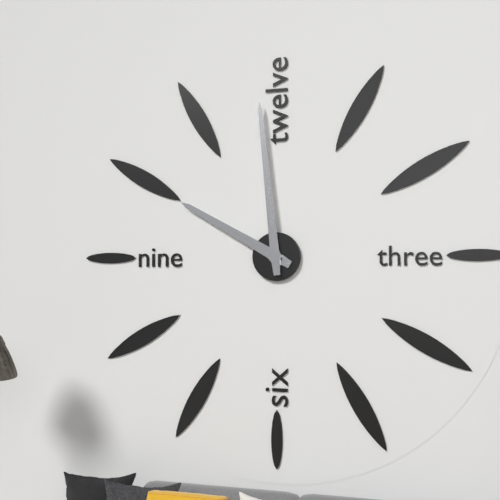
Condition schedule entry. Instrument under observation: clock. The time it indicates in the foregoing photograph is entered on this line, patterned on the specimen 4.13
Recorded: 9.59
